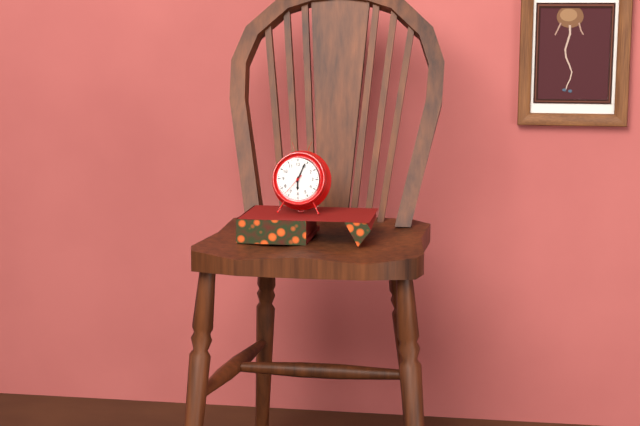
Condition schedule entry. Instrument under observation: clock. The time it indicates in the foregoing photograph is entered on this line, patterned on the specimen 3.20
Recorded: 6.04
